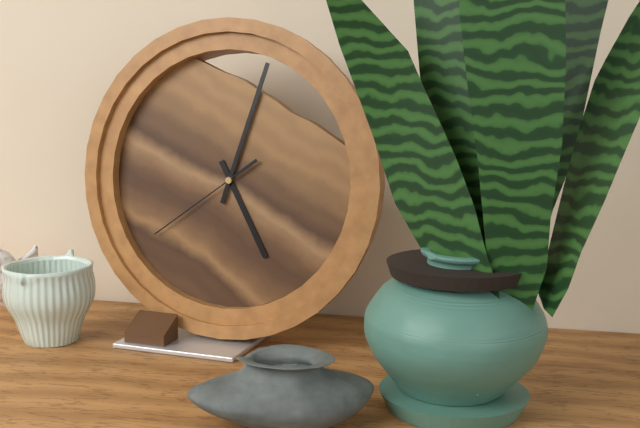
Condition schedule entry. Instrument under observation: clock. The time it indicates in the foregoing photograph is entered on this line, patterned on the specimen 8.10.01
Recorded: 5.03.39
